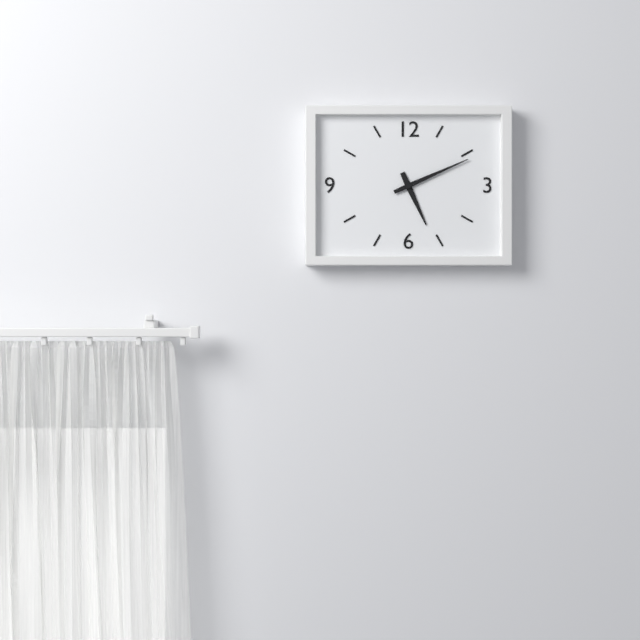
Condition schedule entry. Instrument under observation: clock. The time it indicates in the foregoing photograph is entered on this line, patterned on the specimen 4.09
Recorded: 5.11
